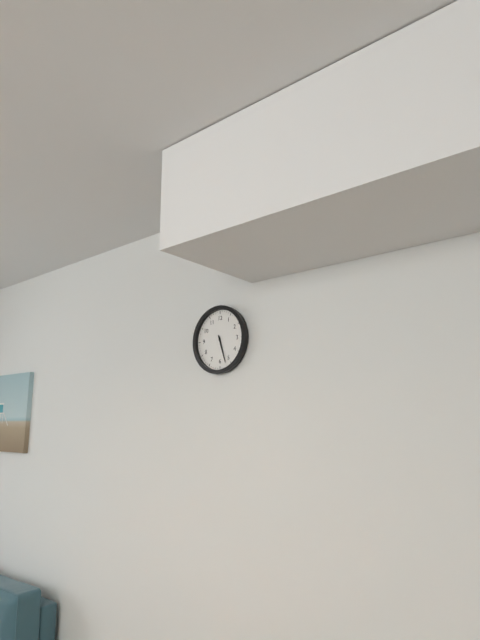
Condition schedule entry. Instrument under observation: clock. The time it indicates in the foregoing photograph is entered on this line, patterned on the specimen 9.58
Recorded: 5.27
